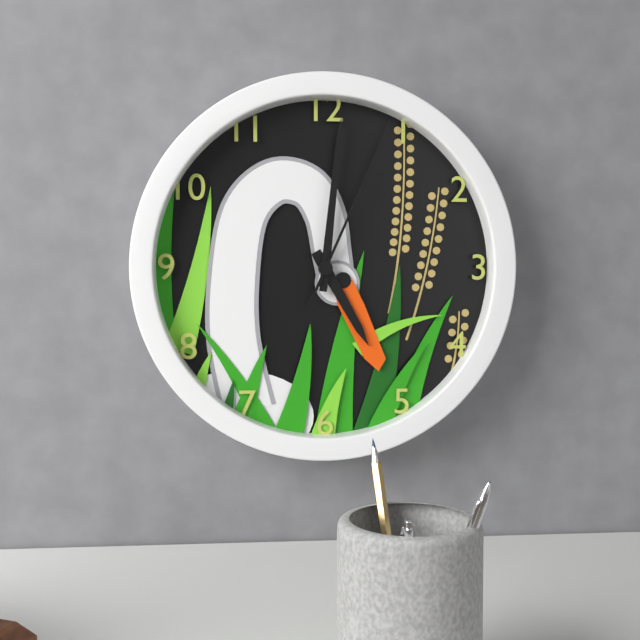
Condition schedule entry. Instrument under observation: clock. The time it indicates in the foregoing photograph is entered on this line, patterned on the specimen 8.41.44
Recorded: 5.01.04
